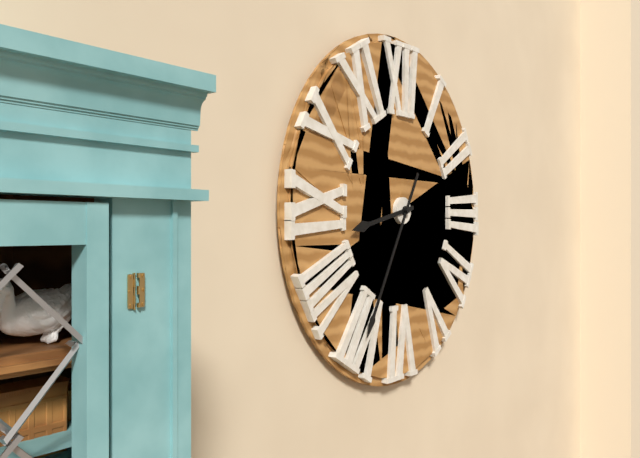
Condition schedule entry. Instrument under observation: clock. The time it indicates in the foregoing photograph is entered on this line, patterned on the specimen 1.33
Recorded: 8.35
